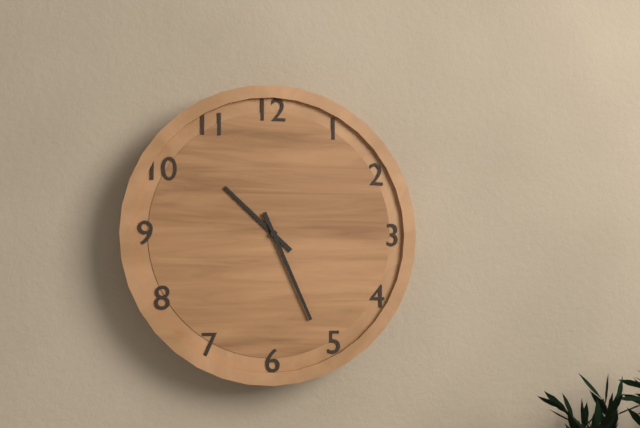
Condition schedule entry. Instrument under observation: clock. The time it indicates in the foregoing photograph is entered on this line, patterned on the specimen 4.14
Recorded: 10.26
